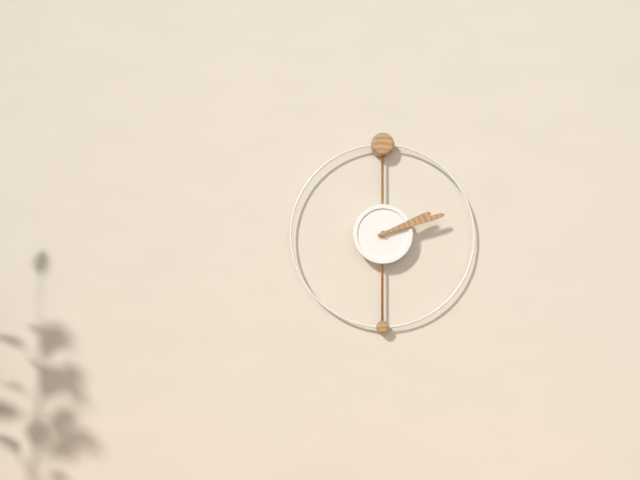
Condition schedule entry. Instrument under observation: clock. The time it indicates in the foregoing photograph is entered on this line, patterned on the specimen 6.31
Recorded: 2.12
